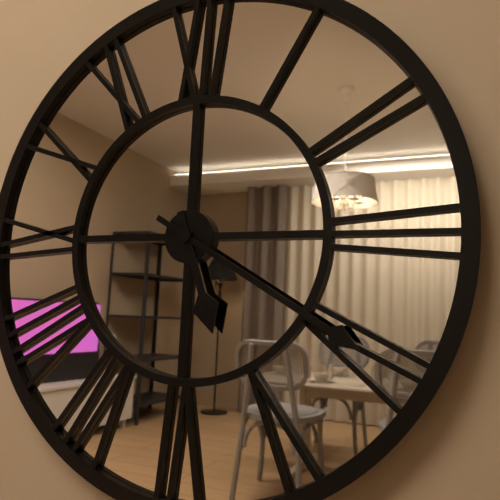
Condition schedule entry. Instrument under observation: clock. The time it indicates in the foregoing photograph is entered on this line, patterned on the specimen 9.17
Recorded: 5.20
